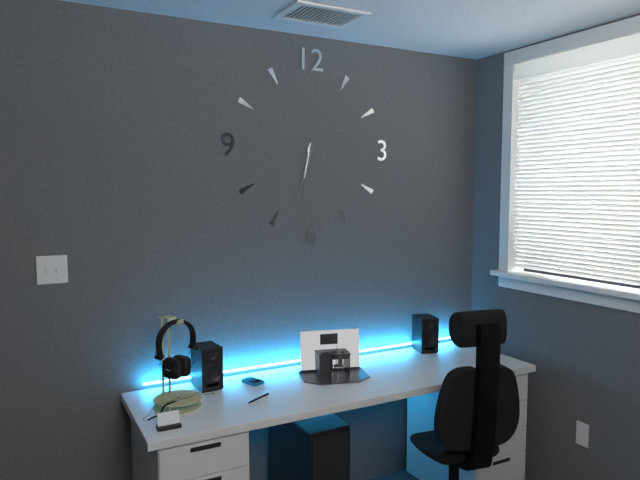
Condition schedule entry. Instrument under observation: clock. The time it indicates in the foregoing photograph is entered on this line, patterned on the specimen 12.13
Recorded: 6.32
